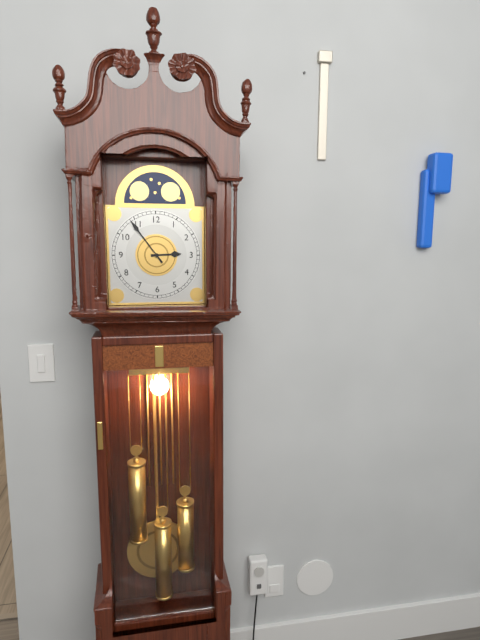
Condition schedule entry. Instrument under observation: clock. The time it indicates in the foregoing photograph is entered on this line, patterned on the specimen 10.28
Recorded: 2.54
